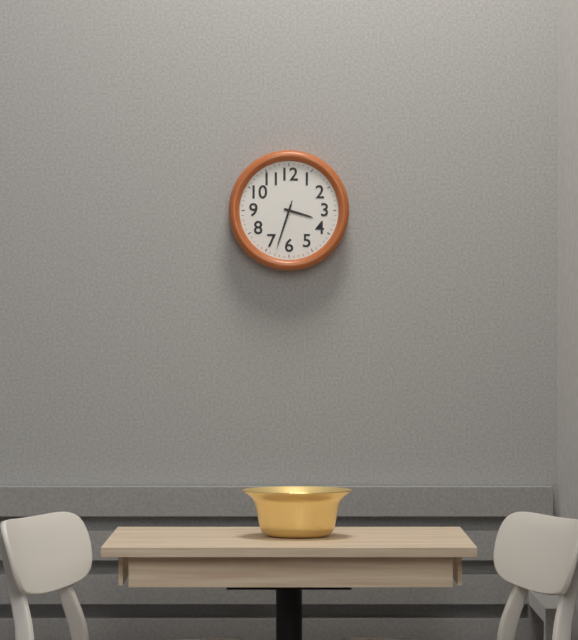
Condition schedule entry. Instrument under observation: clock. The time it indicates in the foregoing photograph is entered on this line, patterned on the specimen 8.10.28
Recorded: 3.33.33
